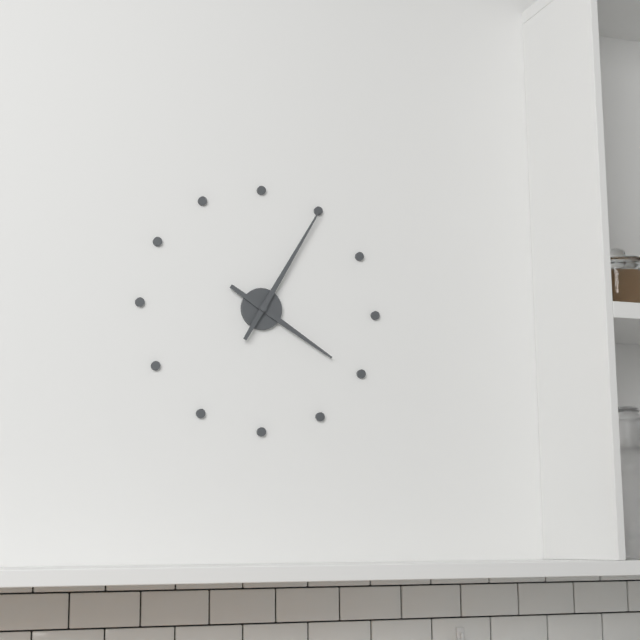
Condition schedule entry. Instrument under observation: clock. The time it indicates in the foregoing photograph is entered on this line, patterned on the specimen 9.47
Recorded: 4.05
